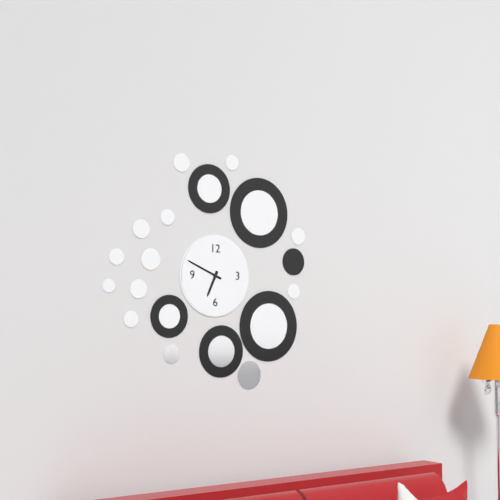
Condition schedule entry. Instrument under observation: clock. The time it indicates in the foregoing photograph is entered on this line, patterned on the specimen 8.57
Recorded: 6.49
